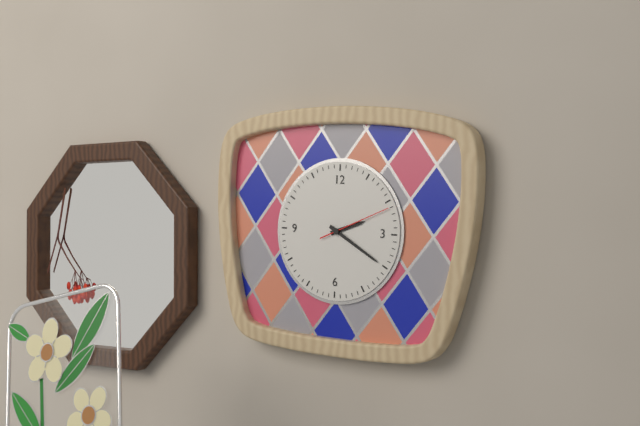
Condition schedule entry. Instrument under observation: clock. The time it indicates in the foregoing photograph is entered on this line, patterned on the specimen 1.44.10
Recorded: 2.20.11
